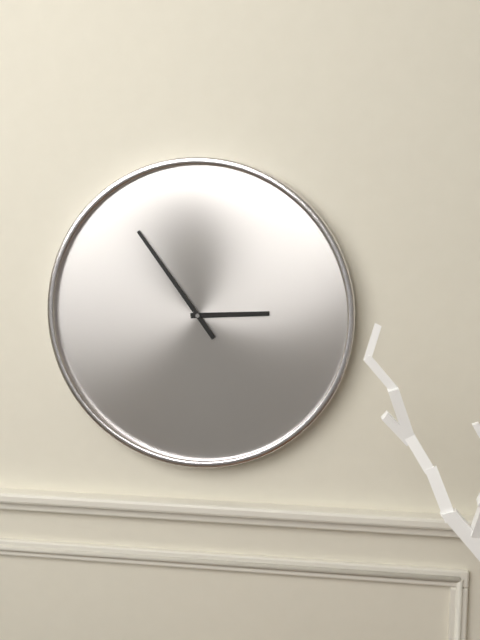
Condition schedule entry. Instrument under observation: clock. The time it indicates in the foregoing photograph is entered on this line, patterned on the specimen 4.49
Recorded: 2.54
